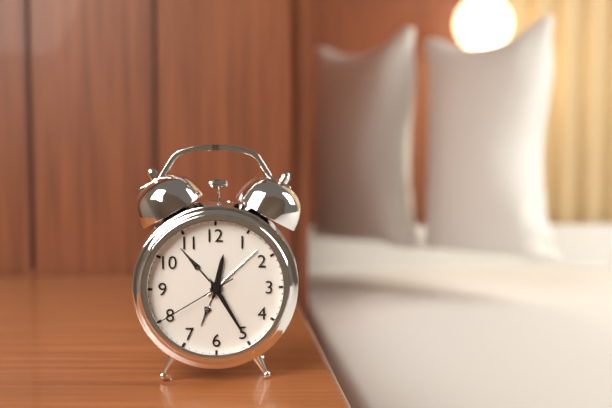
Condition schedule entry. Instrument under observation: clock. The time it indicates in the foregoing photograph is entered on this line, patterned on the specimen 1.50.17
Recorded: 12.25.40
